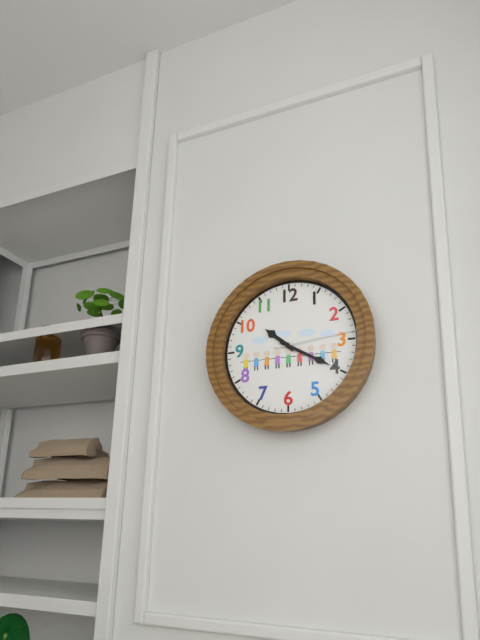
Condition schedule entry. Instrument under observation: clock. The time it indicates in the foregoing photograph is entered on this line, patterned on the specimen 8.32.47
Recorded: 10.20.14
